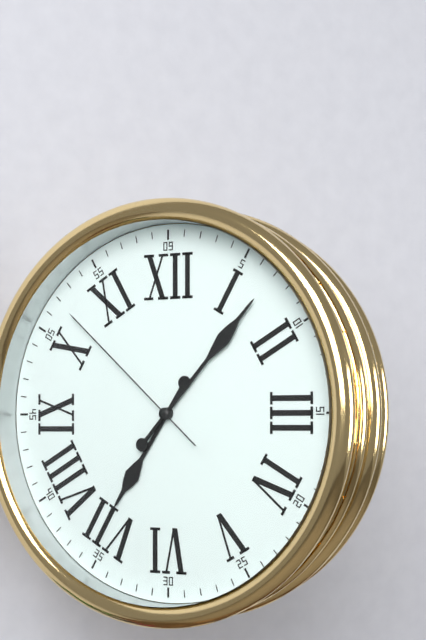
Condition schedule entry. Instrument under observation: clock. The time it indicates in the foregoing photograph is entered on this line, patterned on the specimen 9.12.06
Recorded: 7.07.52
